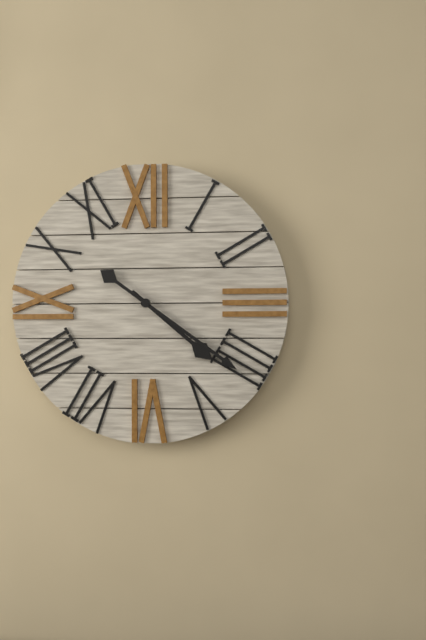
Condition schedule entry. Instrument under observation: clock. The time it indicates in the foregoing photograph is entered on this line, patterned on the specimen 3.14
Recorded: 4.21
